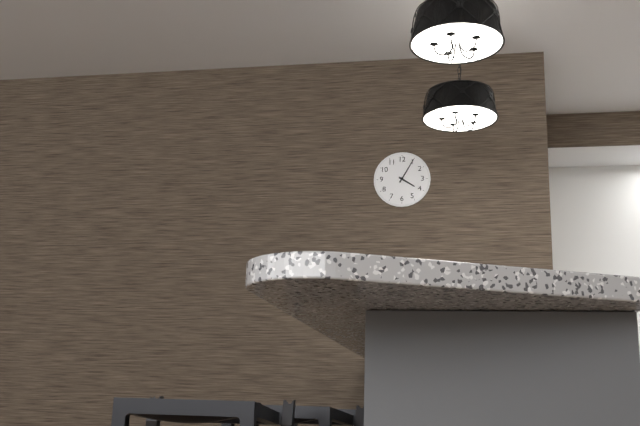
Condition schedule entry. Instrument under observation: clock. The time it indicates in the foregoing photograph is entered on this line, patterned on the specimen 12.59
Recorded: 4.05
